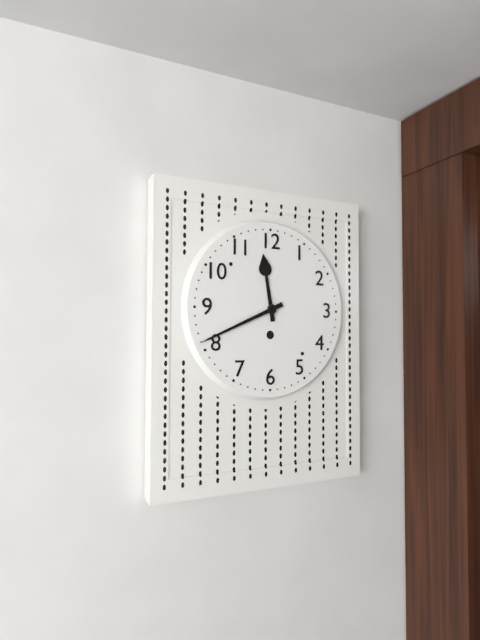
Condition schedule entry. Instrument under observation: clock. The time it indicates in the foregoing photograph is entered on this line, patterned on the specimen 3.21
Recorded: 11.41
